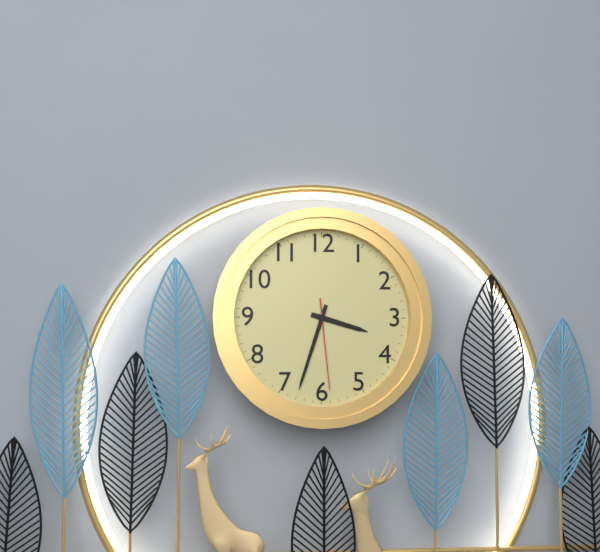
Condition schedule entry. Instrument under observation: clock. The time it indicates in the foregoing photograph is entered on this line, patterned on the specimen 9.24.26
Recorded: 3.33.29
